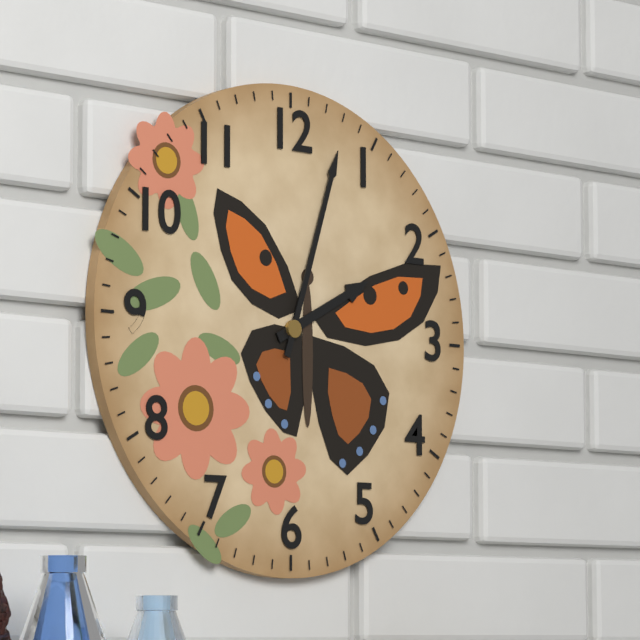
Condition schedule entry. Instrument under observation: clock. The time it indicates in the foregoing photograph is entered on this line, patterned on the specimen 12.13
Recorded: 2.03
